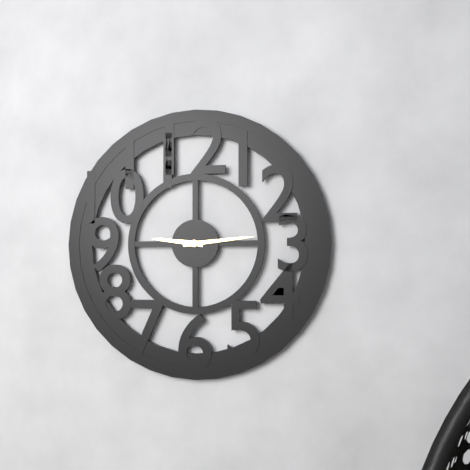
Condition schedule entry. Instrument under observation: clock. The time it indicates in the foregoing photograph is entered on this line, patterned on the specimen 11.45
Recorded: 9.14
